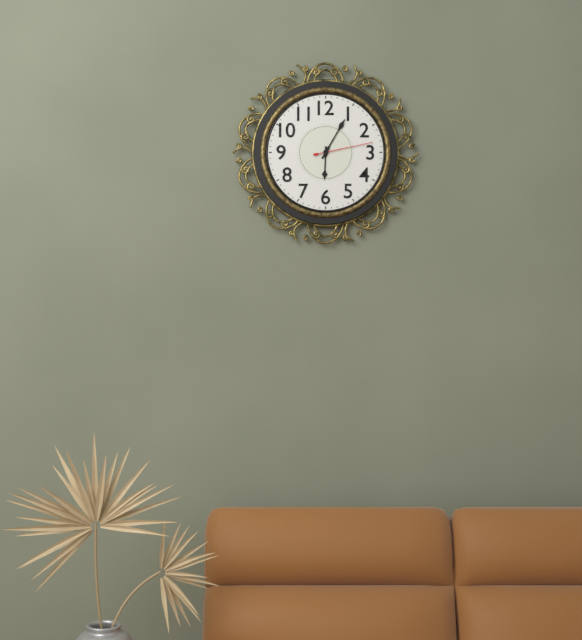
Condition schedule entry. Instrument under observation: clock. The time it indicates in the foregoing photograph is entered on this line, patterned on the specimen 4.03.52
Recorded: 6.05.13
